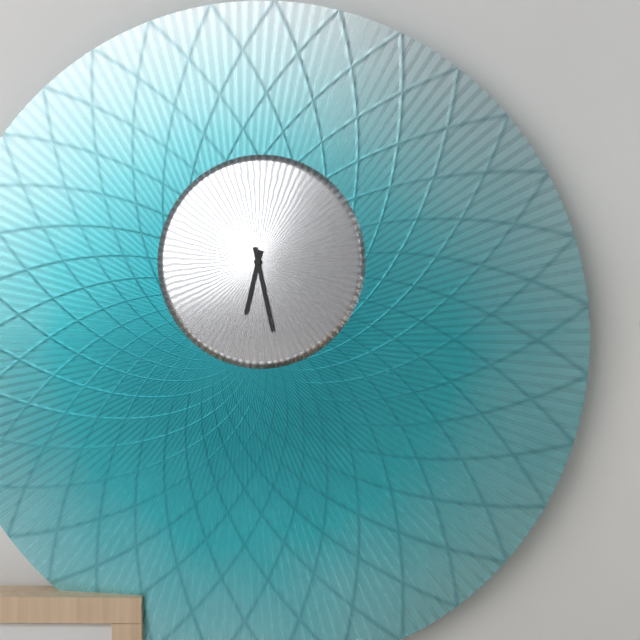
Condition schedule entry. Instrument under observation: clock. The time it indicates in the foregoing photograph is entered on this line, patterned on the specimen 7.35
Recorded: 6.28
